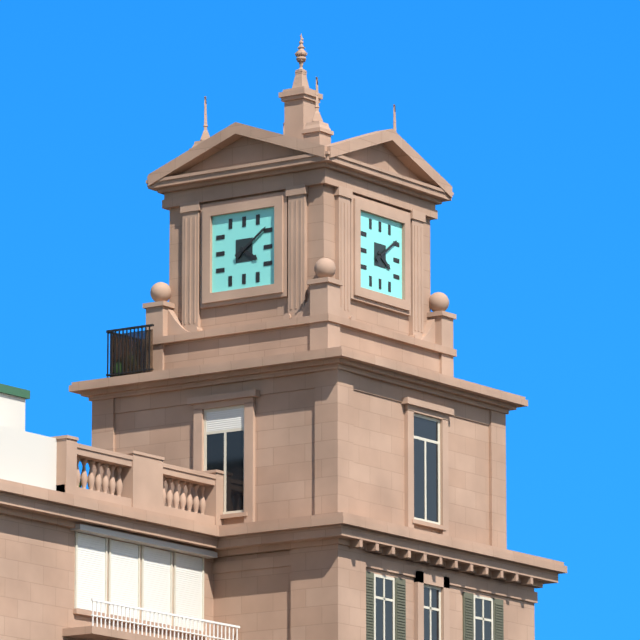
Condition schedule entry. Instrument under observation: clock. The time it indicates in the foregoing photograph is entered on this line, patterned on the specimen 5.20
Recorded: 4.09
